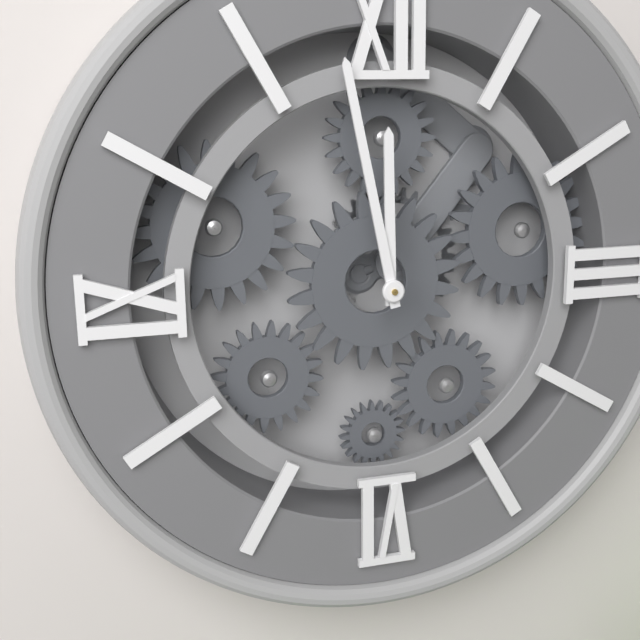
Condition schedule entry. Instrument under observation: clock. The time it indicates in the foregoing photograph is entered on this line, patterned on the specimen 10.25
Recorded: 11.58
